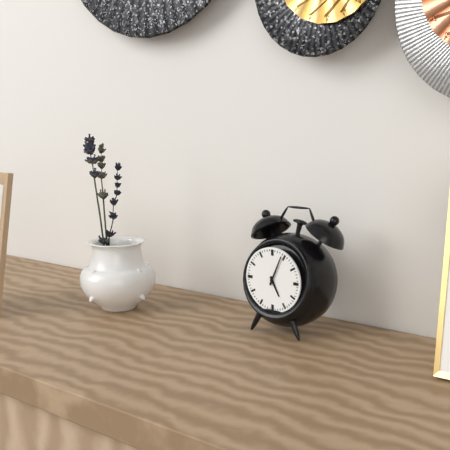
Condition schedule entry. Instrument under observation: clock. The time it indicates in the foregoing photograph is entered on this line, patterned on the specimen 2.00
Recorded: 5.04
